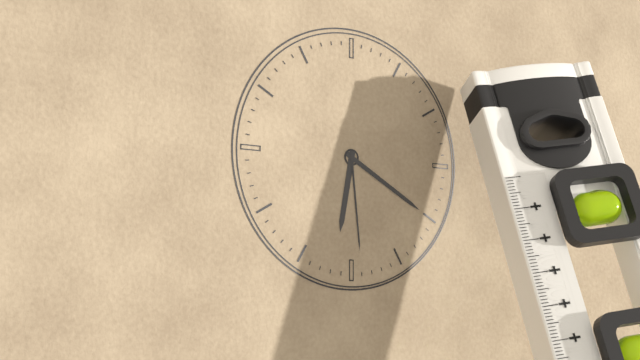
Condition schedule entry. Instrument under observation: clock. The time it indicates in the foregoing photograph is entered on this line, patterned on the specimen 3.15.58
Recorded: 6.20.29
